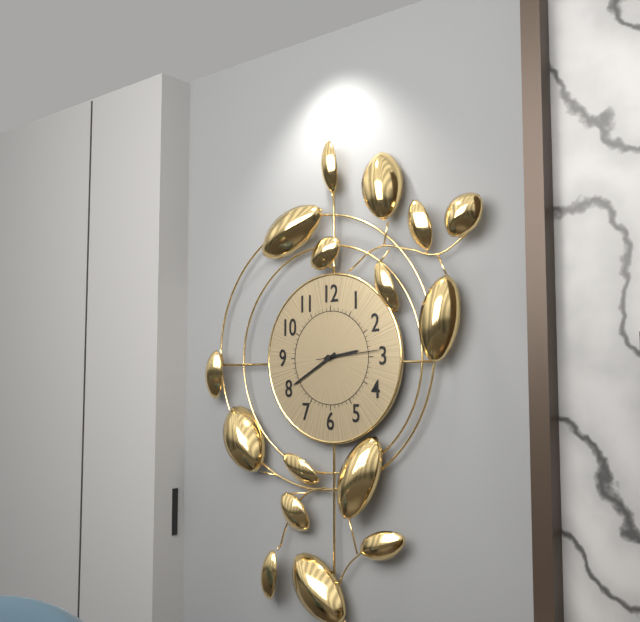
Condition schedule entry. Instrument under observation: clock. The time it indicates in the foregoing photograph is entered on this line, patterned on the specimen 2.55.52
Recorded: 2.40.14
